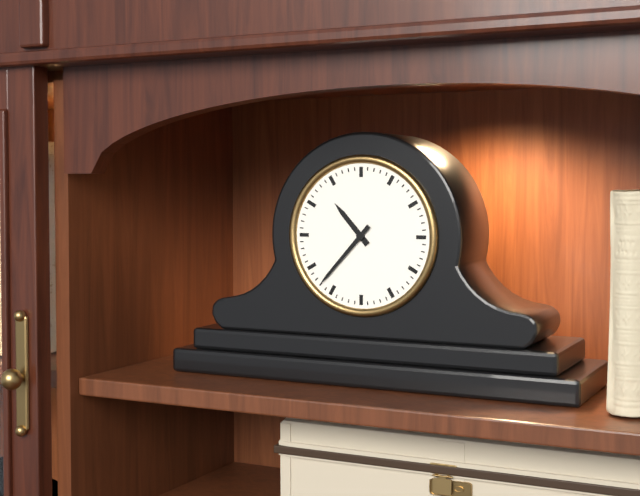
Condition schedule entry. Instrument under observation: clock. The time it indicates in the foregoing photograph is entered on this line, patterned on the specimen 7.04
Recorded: 10.37
